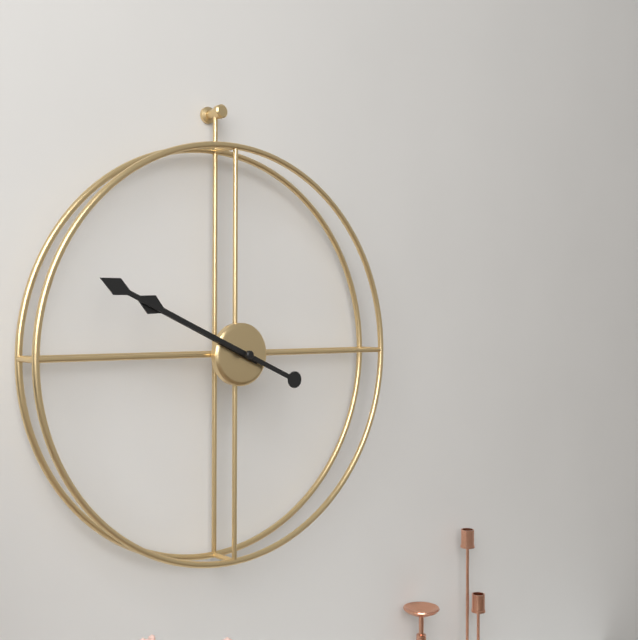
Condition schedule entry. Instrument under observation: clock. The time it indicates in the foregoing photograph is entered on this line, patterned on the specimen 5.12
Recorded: 9.49
